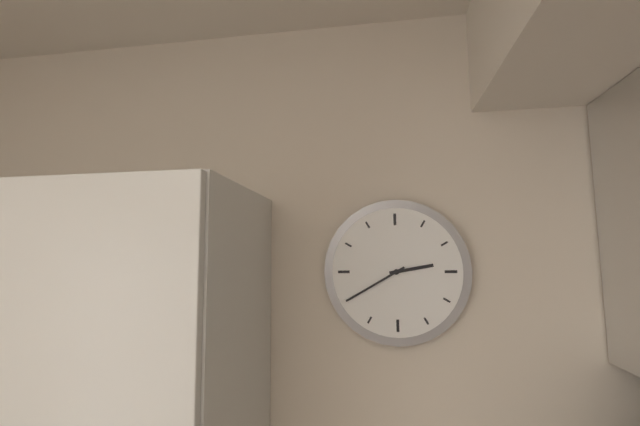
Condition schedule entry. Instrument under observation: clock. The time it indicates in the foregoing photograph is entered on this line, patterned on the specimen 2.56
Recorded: 2.40
